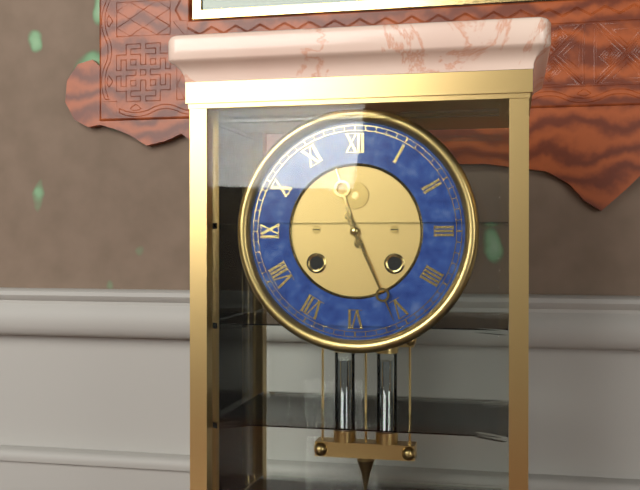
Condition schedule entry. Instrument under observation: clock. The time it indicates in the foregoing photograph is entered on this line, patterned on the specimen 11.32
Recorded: 11.26
